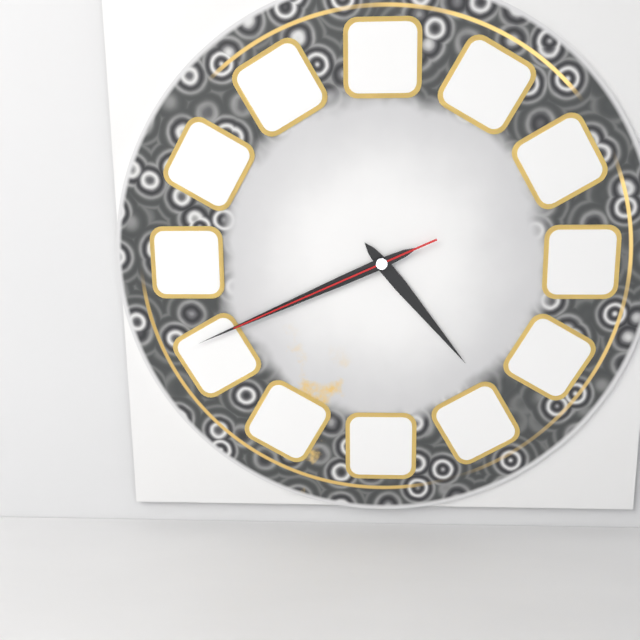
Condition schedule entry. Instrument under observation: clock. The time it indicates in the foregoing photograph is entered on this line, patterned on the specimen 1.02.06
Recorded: 4.41.41
